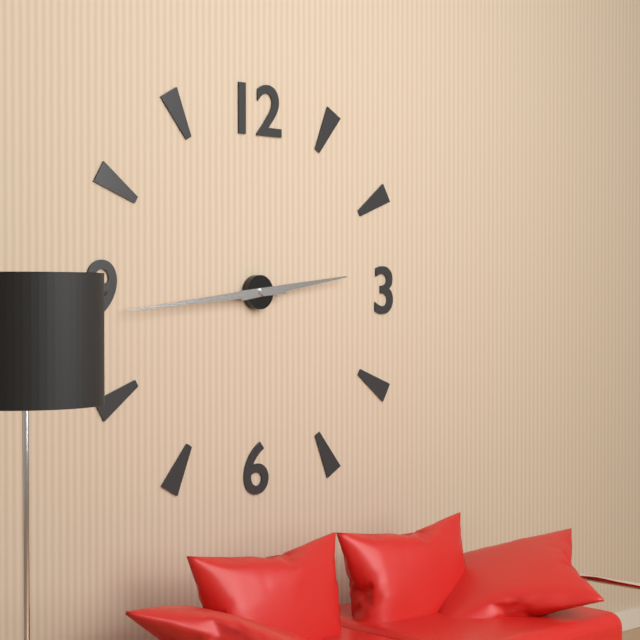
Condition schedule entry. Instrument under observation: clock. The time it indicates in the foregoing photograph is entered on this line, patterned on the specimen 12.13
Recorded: 2.44
